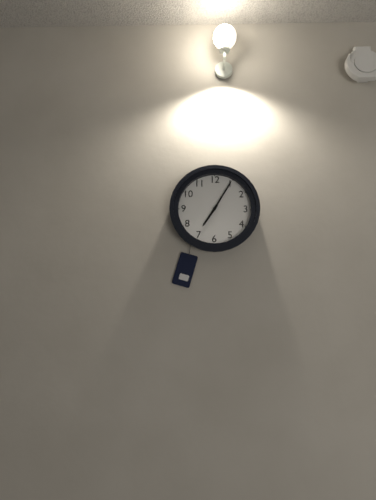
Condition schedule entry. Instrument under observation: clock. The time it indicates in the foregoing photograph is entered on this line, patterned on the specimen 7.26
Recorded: 7.05
